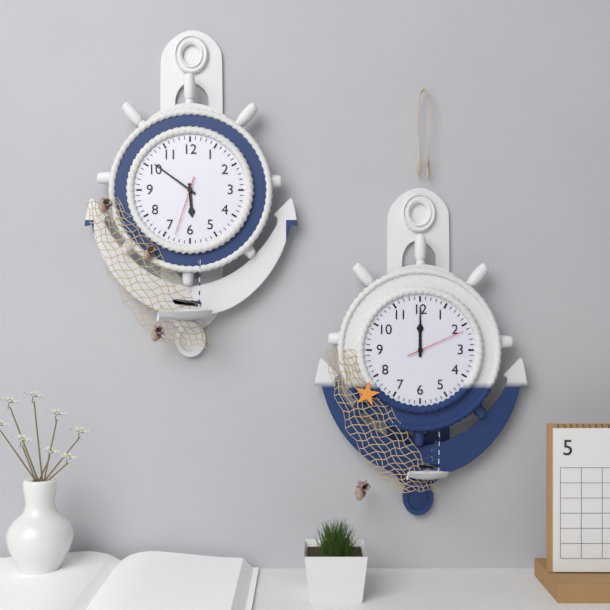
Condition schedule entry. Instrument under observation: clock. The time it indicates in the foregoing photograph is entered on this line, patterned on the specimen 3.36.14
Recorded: 5.51.33
